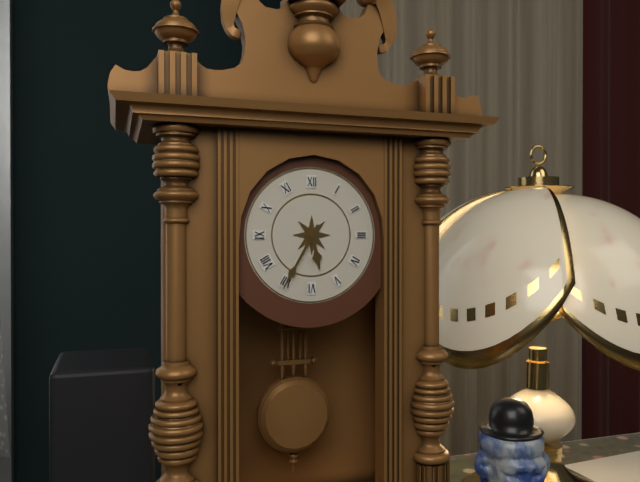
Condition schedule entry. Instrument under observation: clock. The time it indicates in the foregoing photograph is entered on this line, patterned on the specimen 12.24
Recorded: 5.35
